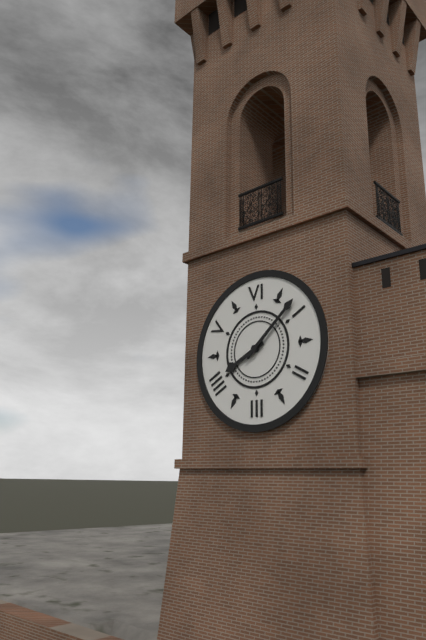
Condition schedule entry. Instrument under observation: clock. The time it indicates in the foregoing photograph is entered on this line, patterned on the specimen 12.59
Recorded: 8.08
